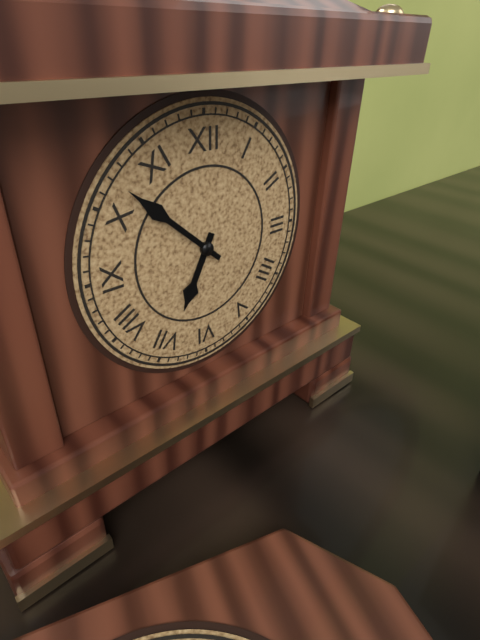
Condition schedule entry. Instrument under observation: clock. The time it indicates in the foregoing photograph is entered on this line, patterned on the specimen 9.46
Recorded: 6.52
